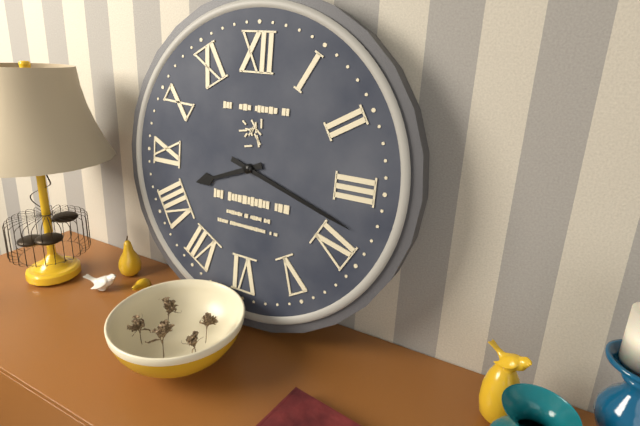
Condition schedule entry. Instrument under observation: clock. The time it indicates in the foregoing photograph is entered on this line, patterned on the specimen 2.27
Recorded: 8.18
